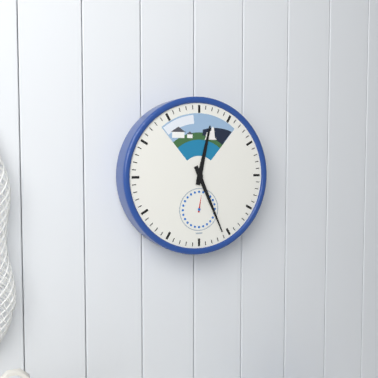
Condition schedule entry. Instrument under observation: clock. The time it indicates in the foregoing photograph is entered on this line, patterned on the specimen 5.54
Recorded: 12.26
